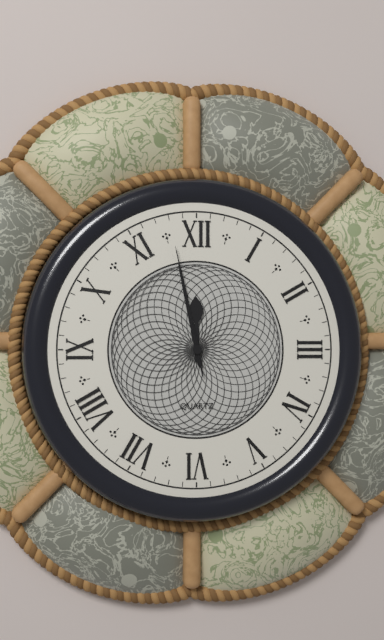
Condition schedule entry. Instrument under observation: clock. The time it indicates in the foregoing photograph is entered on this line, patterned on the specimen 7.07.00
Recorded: 11.58.58
